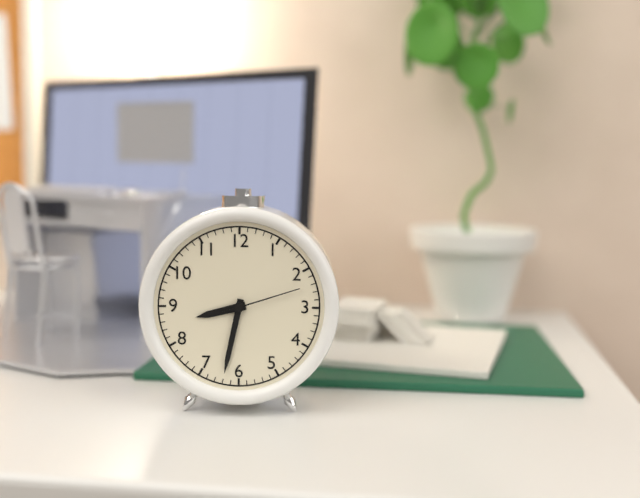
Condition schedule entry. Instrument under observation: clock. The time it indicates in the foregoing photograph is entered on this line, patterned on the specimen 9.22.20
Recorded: 8.32.12
